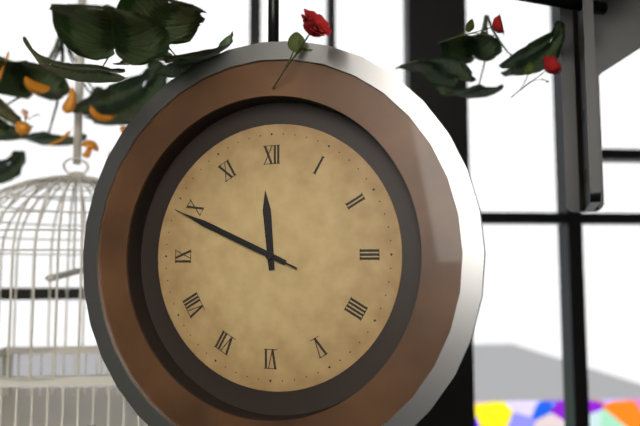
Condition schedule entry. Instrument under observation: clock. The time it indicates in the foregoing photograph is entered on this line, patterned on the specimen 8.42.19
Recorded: 11.49.49
